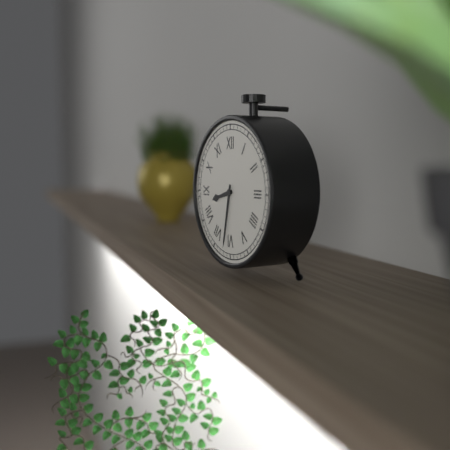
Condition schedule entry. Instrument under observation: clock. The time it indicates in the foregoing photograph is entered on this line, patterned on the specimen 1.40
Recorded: 8.32
